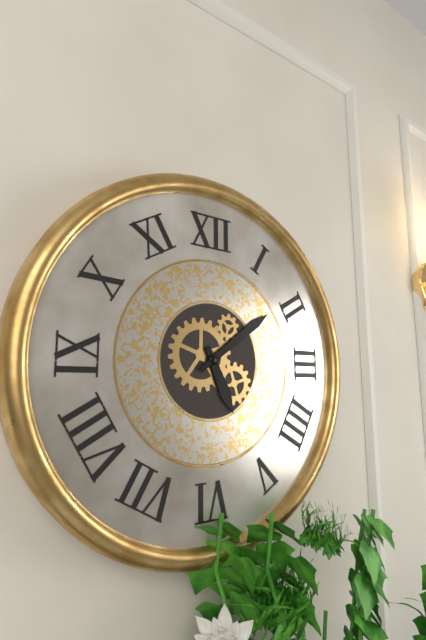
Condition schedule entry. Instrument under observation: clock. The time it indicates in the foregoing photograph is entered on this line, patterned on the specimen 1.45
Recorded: 5.09
